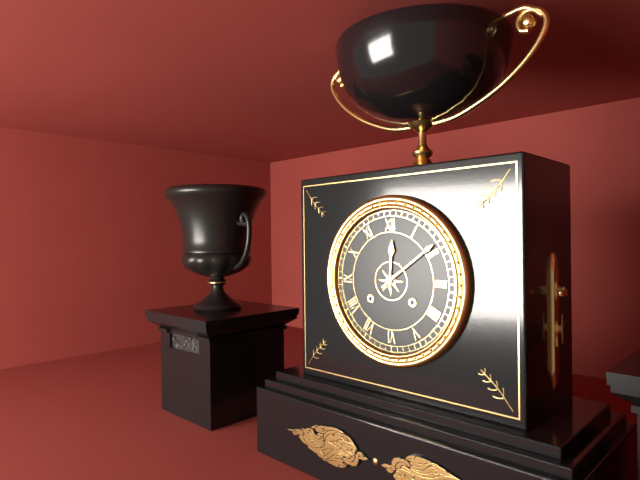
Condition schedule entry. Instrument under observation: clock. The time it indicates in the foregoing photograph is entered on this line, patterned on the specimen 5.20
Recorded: 12.09
